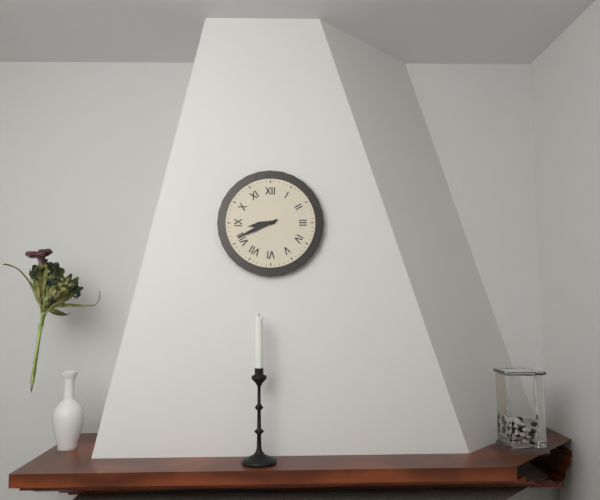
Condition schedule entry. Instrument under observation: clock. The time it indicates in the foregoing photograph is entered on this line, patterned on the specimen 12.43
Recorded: 8.41
